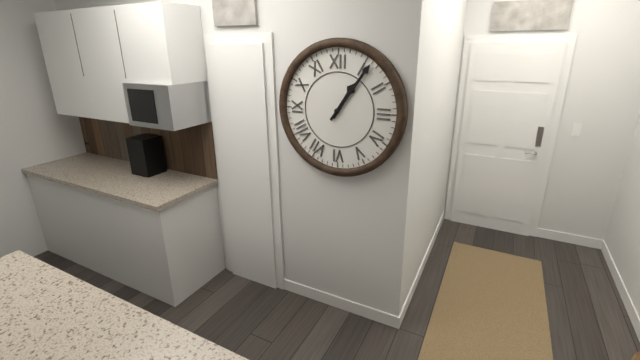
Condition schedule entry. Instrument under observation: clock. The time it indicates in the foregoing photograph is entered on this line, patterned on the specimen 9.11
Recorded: 1.06
